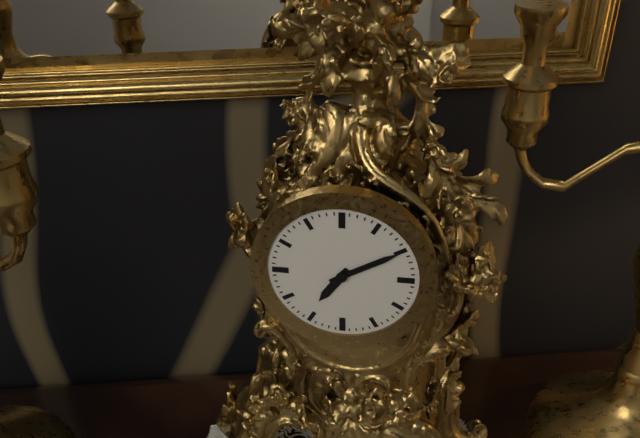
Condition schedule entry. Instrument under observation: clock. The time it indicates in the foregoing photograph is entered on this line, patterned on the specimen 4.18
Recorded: 7.10
